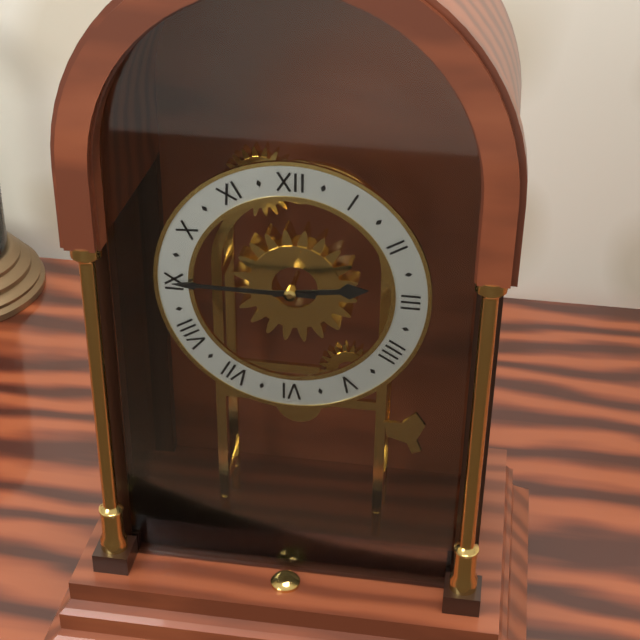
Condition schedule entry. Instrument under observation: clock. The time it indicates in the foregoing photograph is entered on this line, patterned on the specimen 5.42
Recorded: 2.45
